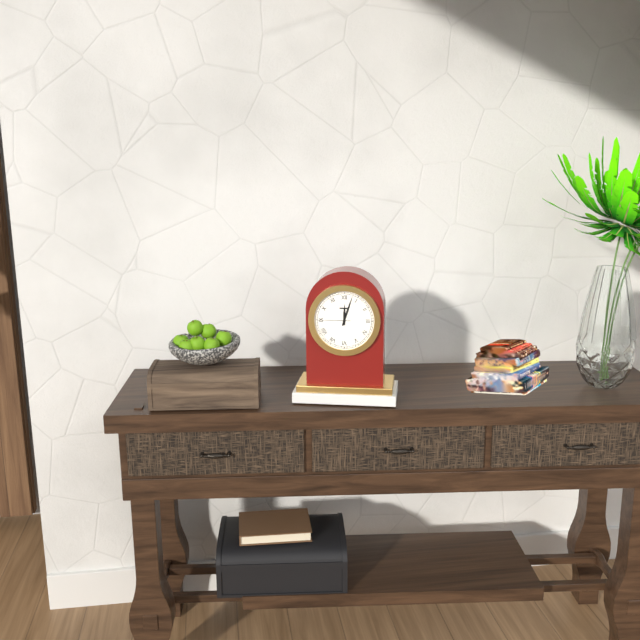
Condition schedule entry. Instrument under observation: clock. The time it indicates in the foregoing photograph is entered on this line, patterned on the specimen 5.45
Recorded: 12.03
